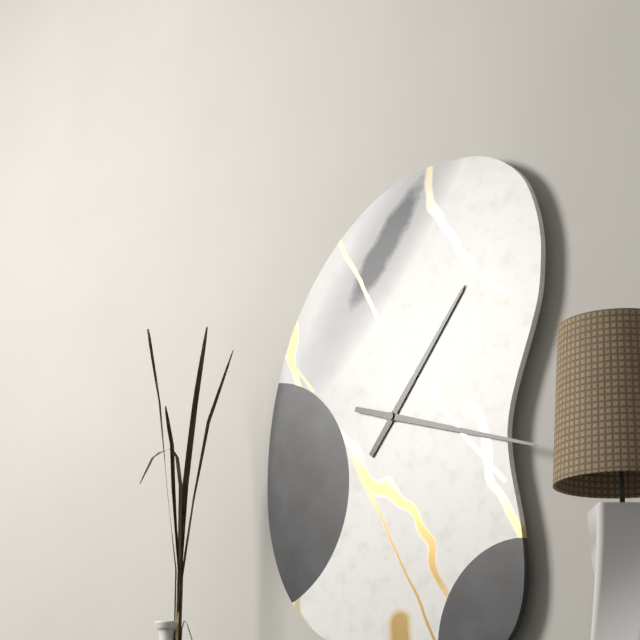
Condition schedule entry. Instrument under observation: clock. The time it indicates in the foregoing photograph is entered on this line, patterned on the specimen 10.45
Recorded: 1.18
